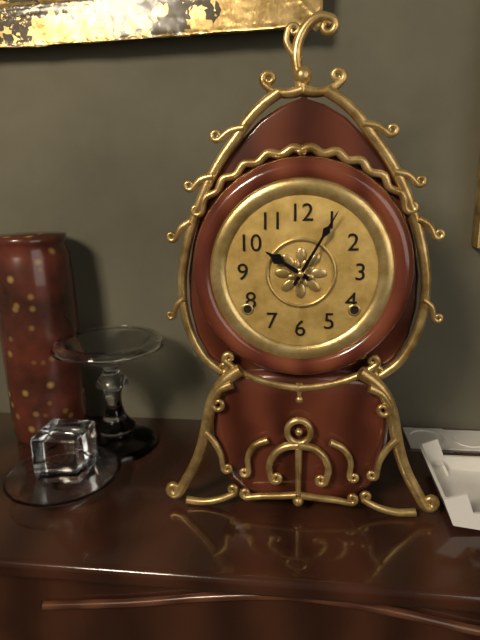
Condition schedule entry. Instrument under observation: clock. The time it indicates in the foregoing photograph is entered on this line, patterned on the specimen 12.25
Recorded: 10.05
